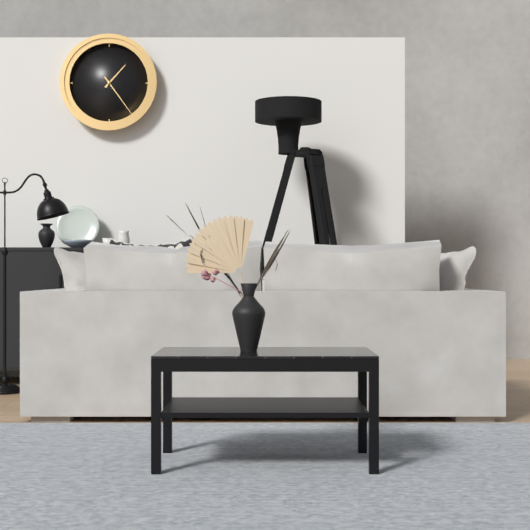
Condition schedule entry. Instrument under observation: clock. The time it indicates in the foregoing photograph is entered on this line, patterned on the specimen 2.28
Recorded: 1.24
